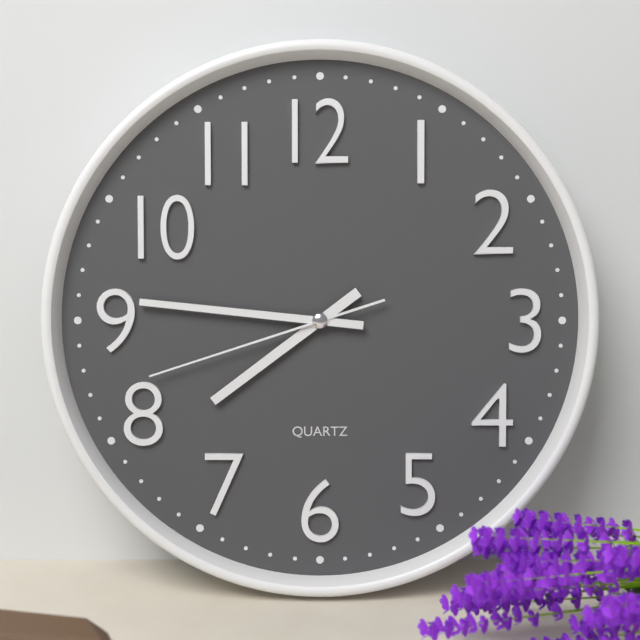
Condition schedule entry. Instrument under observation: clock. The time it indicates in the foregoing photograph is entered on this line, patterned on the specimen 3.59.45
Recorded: 7.46.42
